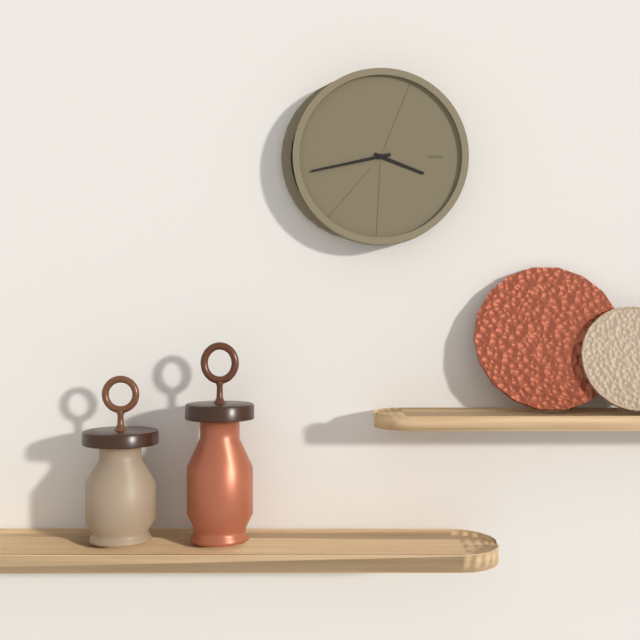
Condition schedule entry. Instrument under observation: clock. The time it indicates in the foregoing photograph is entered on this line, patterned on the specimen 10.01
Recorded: 3.43
